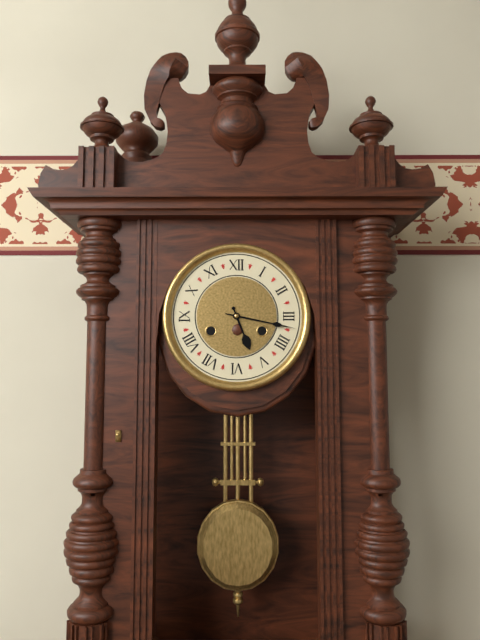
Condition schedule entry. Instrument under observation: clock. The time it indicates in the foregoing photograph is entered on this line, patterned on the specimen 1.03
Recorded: 5.17
